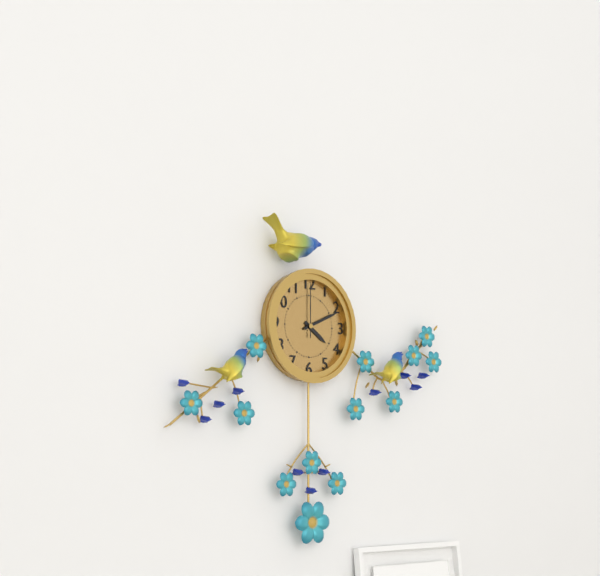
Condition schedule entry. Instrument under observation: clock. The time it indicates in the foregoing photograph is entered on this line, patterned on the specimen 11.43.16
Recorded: 4.11.00
